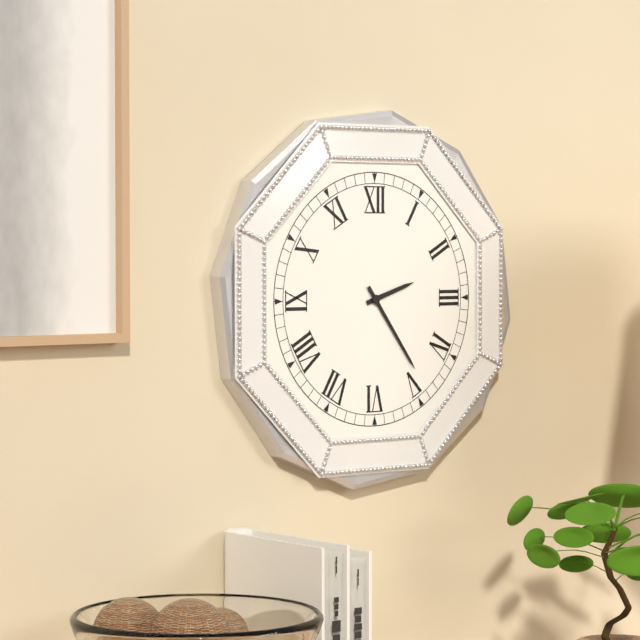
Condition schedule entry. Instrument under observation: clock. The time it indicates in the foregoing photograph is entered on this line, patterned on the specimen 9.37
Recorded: 2.24
